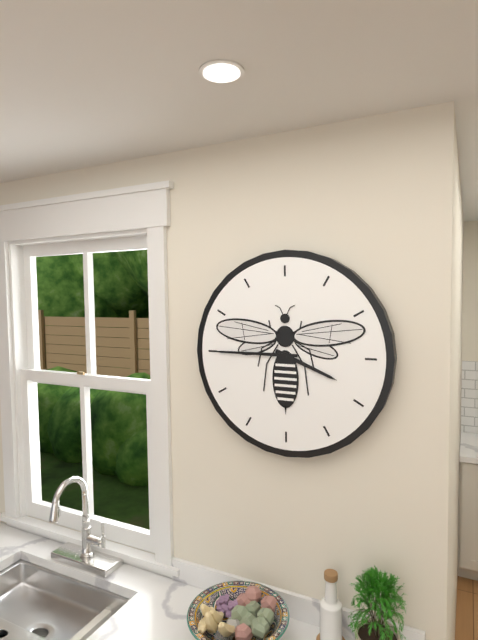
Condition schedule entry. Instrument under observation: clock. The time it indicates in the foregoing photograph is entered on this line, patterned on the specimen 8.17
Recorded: 3.45
